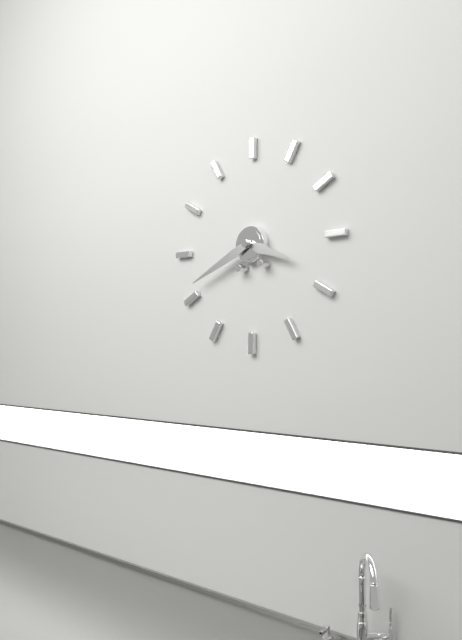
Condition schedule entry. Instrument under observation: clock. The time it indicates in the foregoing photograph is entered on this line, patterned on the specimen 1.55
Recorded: 3.41
